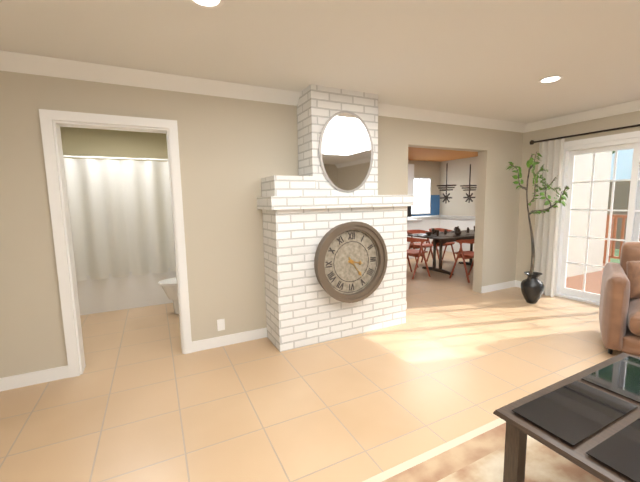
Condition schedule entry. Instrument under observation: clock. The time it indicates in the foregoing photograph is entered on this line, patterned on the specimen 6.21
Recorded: 3.24
